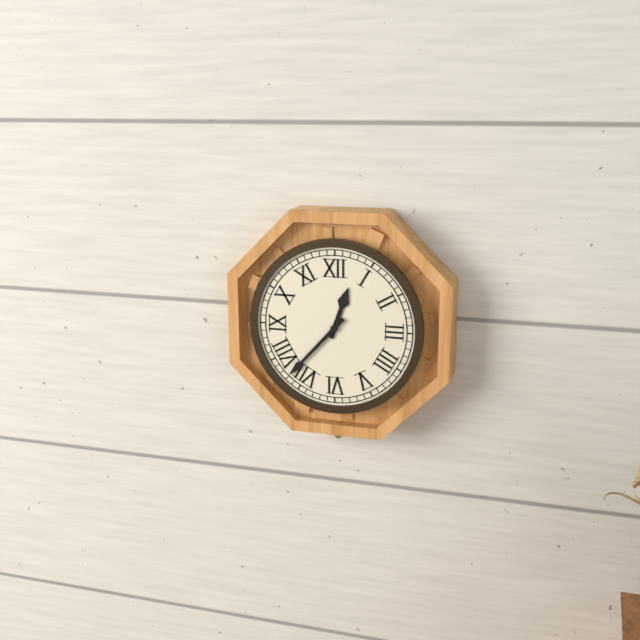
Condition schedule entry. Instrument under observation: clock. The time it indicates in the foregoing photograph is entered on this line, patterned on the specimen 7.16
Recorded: 12.37
